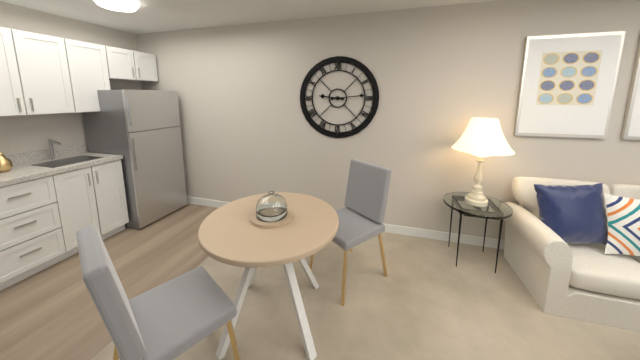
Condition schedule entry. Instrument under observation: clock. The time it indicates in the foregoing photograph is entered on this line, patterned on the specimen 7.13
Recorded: 9.14
